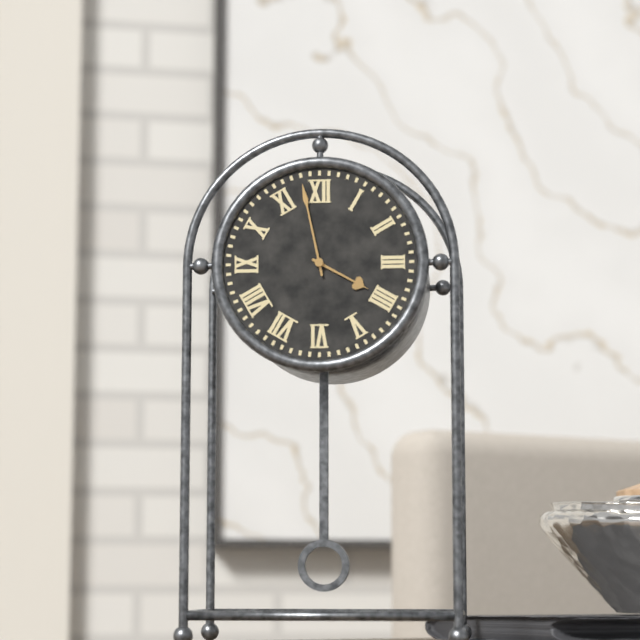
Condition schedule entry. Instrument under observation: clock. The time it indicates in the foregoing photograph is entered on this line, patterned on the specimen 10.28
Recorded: 3.58
